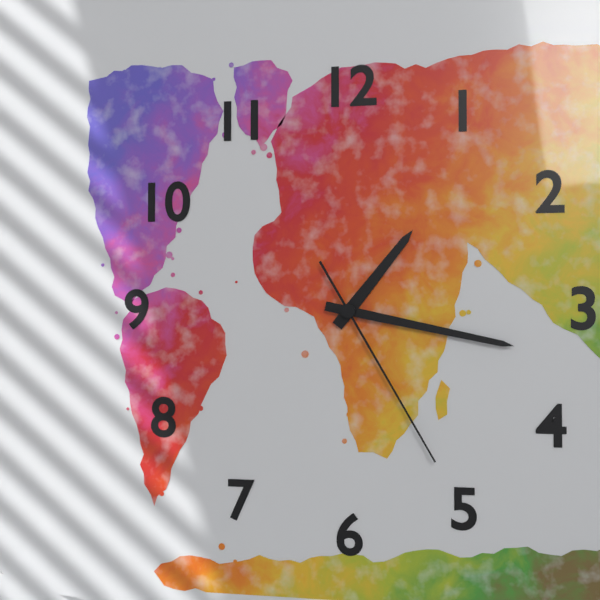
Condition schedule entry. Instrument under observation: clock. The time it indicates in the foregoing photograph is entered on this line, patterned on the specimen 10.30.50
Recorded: 1.17.25
